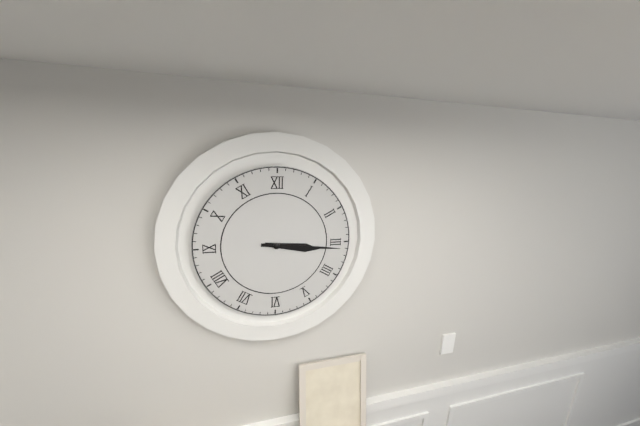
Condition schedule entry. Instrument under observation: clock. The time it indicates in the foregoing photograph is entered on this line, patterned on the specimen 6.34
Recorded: 3.16
